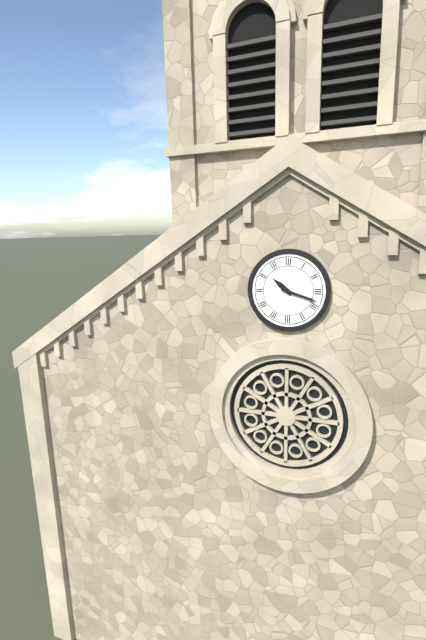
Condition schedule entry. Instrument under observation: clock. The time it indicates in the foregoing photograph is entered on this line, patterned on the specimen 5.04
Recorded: 10.18
